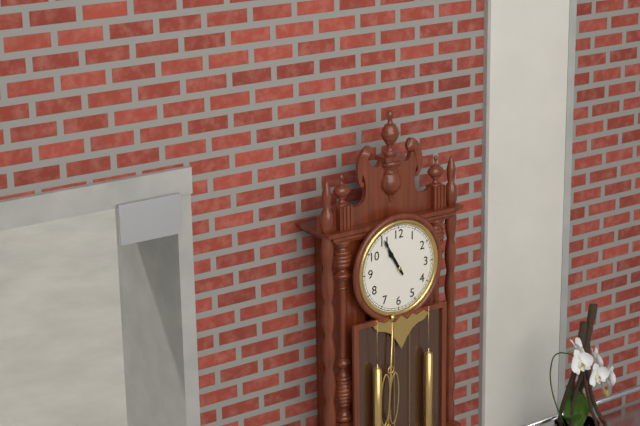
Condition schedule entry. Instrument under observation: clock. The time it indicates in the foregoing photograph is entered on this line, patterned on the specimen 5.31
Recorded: 10.55
